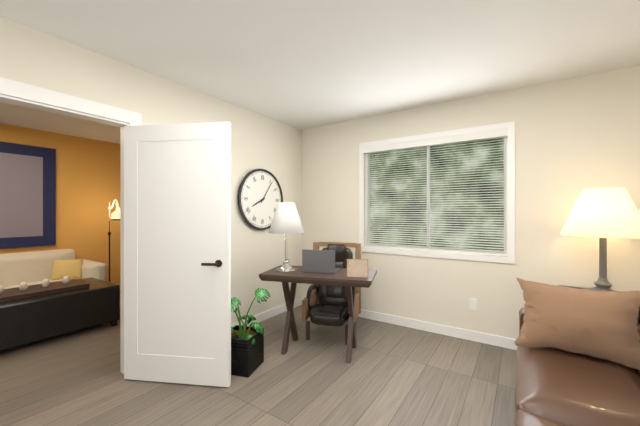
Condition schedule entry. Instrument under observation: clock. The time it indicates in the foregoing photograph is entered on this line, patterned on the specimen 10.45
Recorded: 8.06
